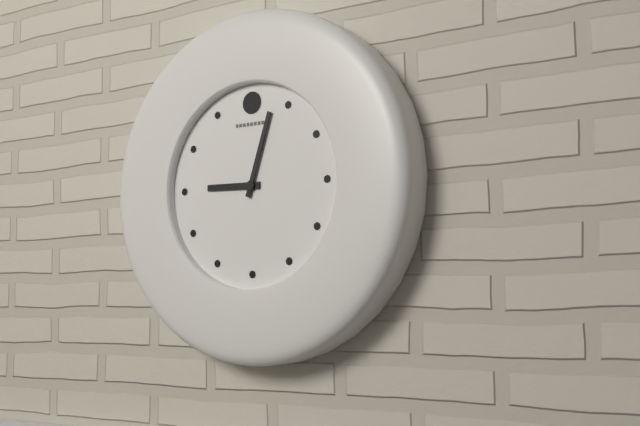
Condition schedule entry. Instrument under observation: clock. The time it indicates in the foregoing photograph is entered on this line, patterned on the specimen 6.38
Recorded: 9.03
